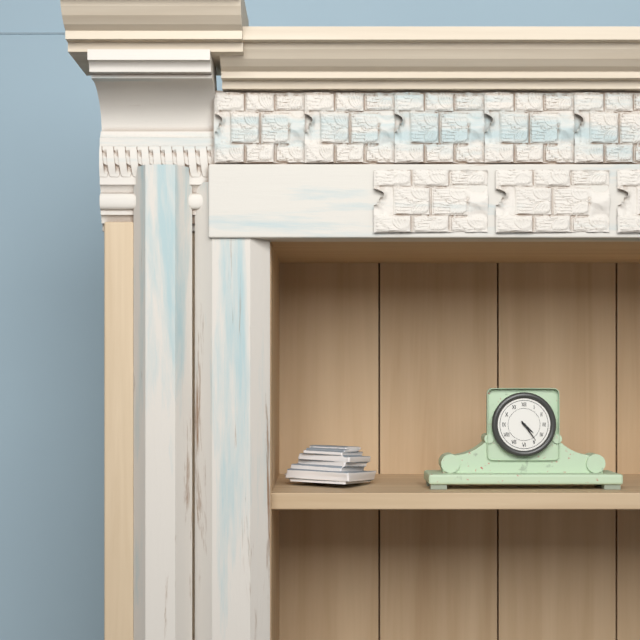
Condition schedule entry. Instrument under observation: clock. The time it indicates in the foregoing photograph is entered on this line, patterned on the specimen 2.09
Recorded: 4.24
